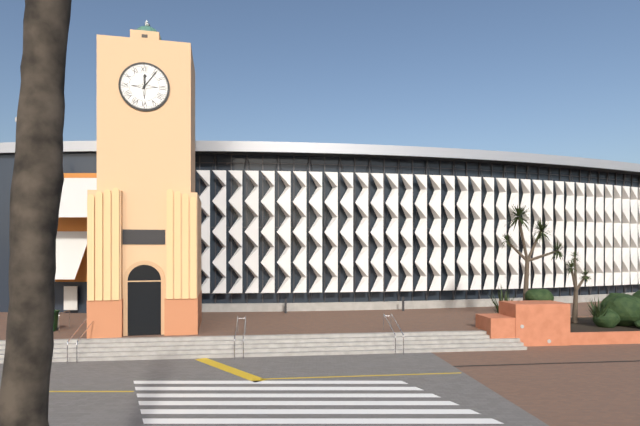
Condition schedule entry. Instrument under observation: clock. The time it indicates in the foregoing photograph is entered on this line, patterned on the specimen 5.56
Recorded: 12.06
